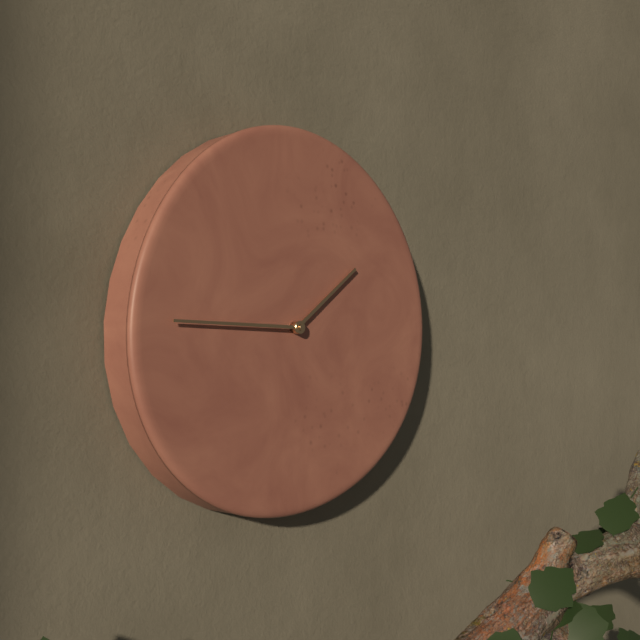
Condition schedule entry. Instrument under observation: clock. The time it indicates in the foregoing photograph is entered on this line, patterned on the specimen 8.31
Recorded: 1.45
